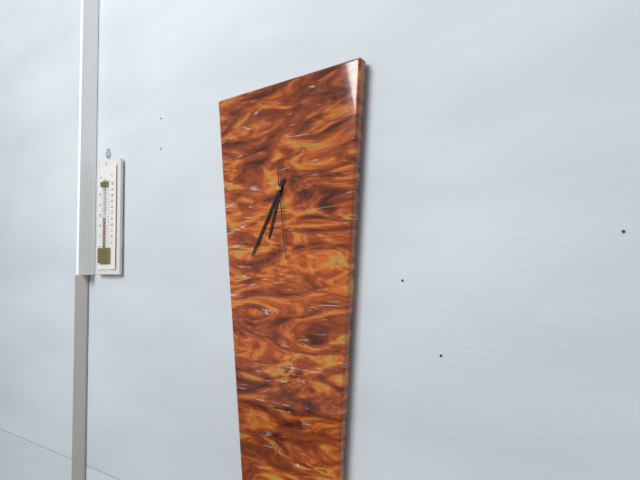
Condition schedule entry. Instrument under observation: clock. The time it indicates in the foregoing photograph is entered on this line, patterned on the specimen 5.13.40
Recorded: 6.35.29
